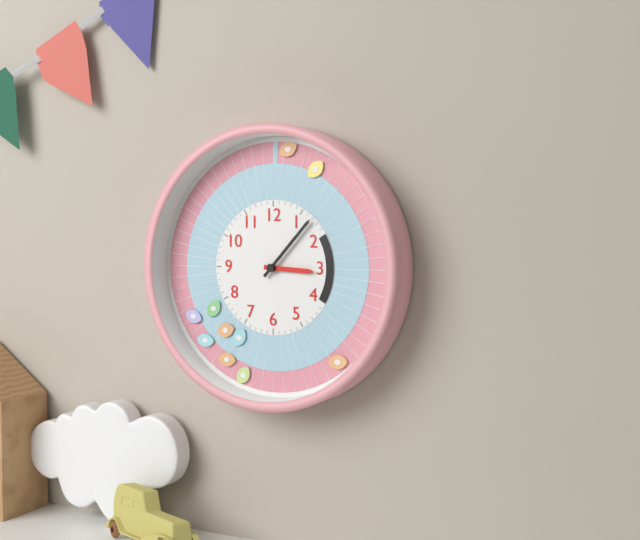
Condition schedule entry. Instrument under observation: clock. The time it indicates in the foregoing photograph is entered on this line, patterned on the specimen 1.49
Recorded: 3.07
